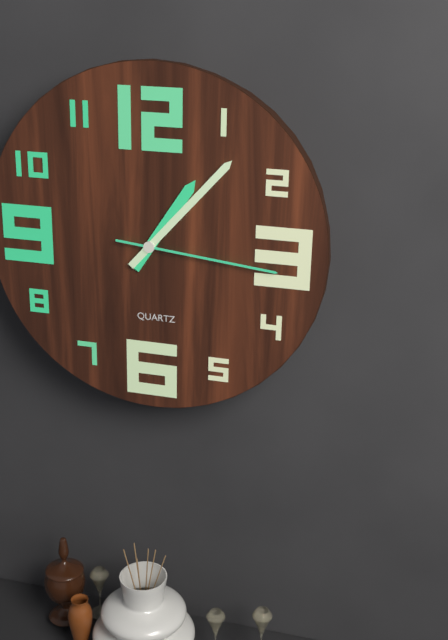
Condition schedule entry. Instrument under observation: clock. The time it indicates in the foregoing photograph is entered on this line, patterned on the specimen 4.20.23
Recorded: 1.07.16
